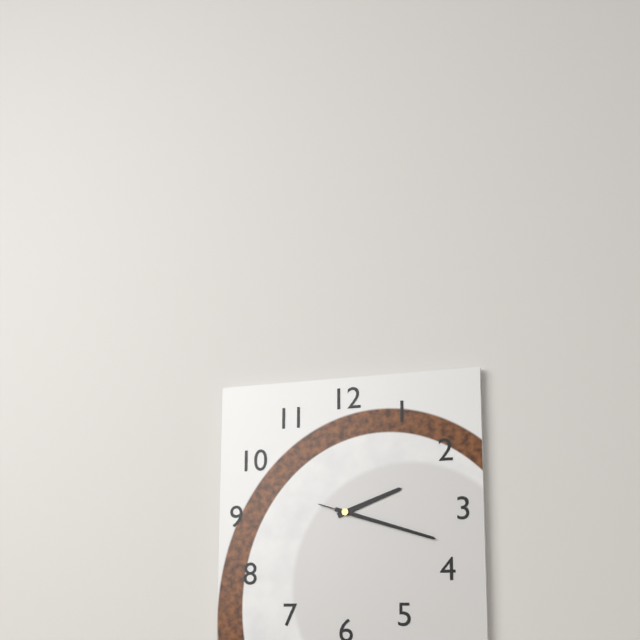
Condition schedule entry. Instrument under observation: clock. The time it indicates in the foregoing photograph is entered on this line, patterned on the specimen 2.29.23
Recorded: 2.18.18
